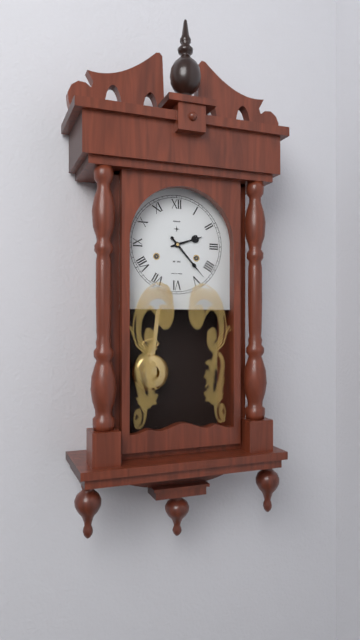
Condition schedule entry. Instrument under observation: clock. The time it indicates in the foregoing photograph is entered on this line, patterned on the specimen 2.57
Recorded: 2.23
